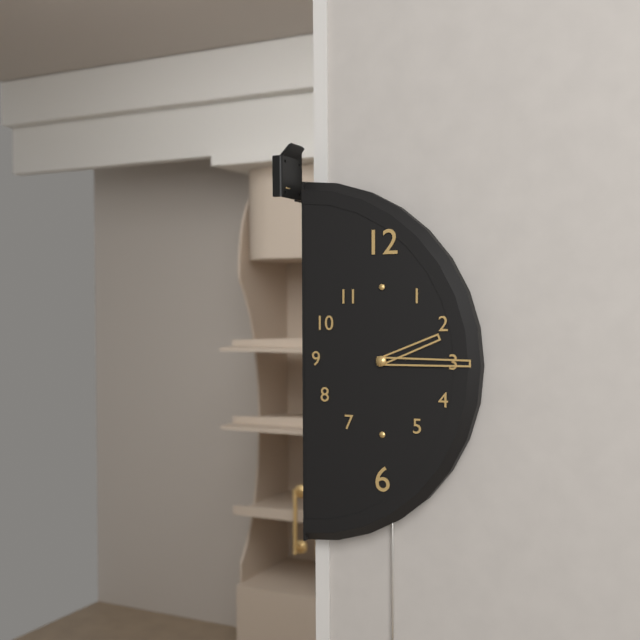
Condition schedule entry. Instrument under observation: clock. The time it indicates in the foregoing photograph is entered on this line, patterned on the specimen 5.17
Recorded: 2.15
